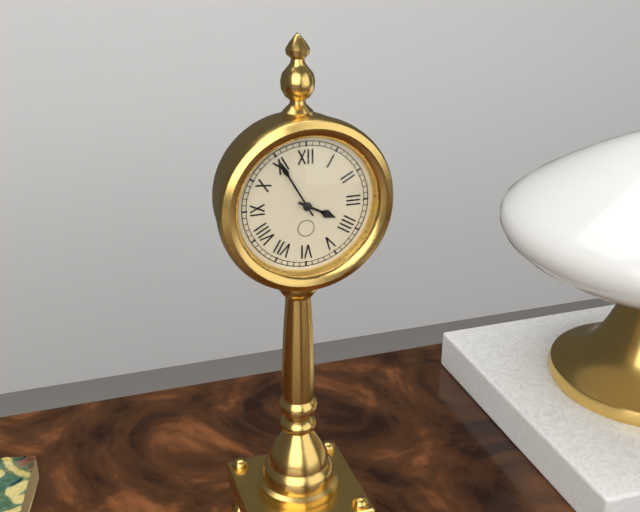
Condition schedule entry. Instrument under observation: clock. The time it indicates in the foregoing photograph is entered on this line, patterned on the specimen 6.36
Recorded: 3.55
